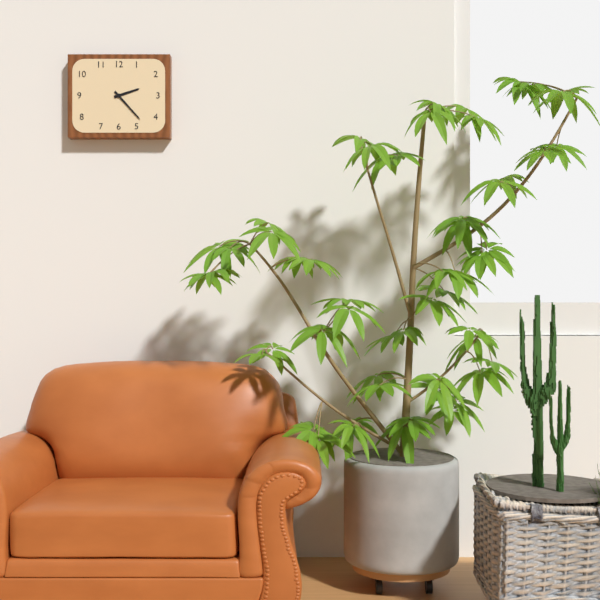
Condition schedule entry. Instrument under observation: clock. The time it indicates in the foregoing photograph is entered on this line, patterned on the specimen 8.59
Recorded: 2.23
